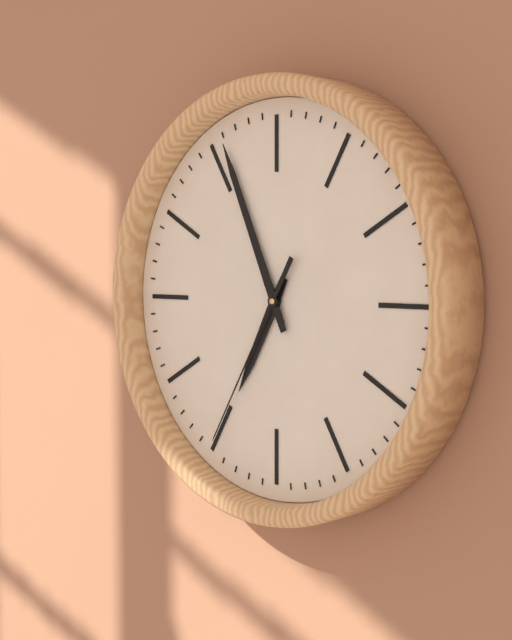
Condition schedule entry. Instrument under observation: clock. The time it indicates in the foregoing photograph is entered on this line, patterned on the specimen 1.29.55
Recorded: 6.56.35
